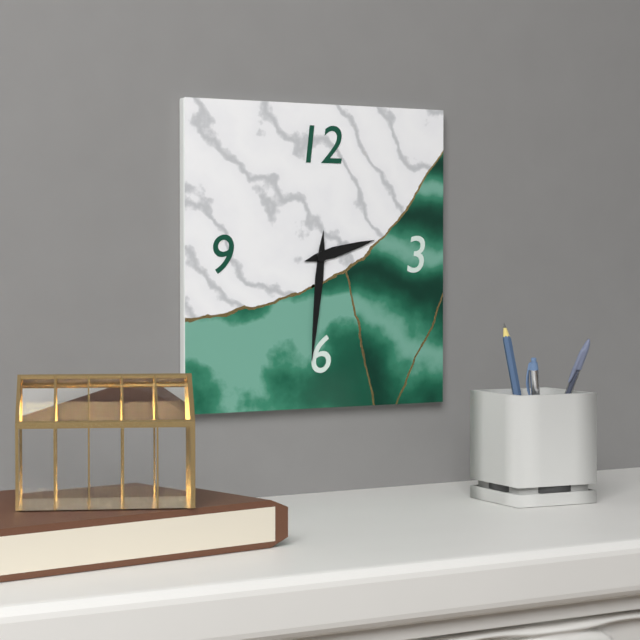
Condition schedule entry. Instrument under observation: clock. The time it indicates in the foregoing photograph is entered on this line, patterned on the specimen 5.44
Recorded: 2.31
